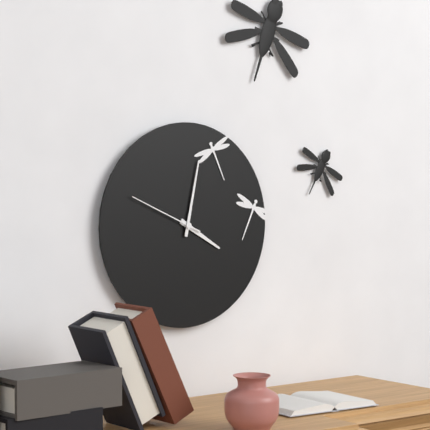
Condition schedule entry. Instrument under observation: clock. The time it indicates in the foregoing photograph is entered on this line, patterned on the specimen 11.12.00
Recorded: 4.02.49
